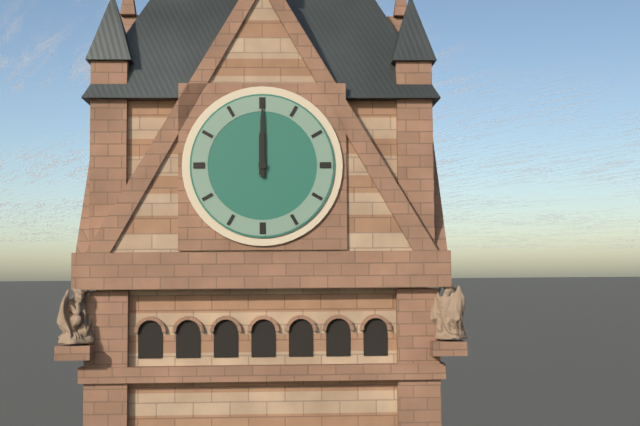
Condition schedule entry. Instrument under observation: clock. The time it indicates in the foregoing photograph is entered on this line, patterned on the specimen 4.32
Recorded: 12.00
